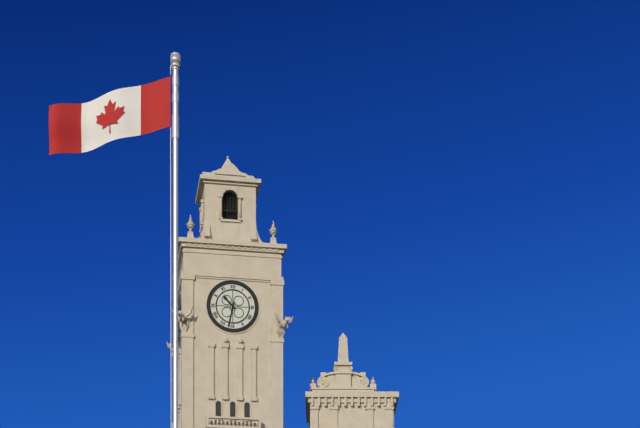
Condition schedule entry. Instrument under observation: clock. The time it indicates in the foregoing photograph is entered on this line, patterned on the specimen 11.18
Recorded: 10.32
